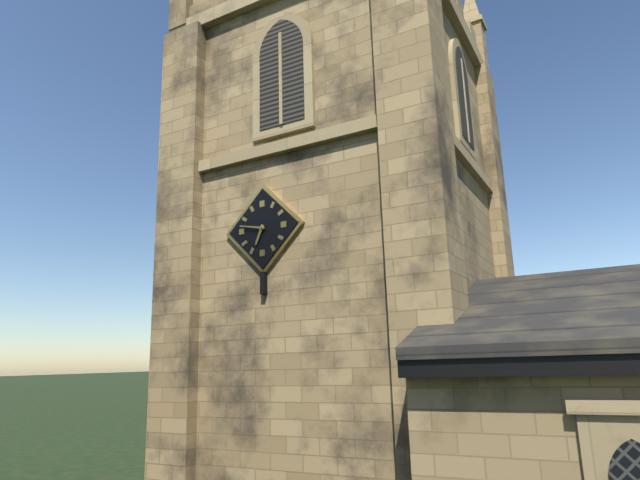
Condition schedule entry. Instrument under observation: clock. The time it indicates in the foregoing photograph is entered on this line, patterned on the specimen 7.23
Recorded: 6.47
